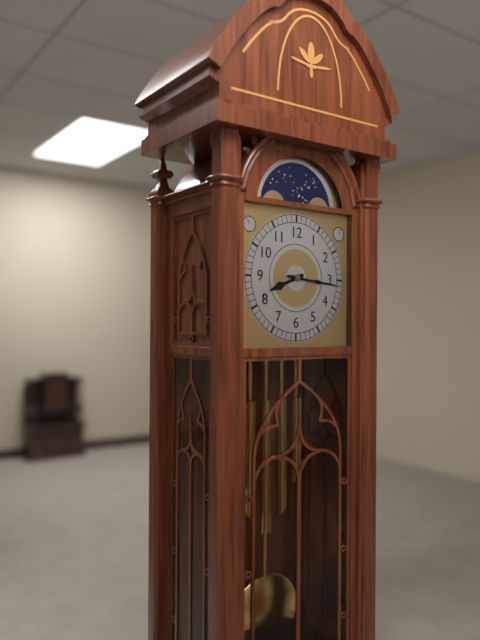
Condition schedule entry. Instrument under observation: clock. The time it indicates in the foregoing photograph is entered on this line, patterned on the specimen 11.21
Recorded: 8.16
